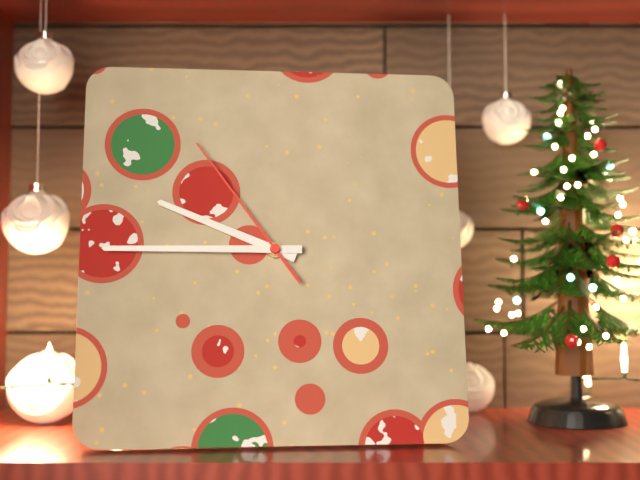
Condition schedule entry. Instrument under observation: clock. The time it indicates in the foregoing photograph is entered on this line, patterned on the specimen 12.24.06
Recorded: 9.45.54
